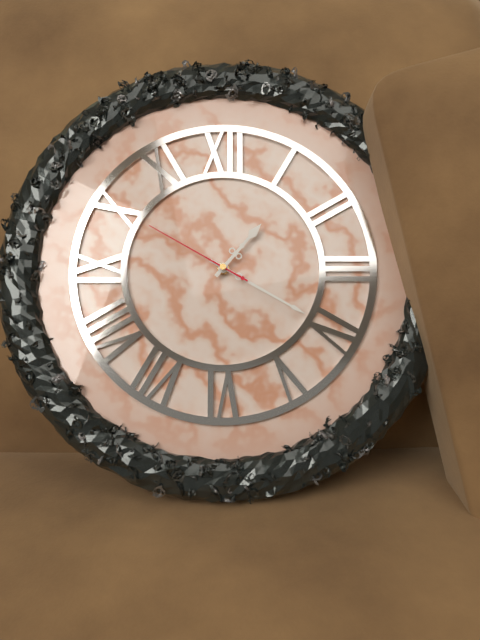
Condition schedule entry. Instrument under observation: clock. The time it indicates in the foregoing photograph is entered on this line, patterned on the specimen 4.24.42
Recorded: 1.20.50
